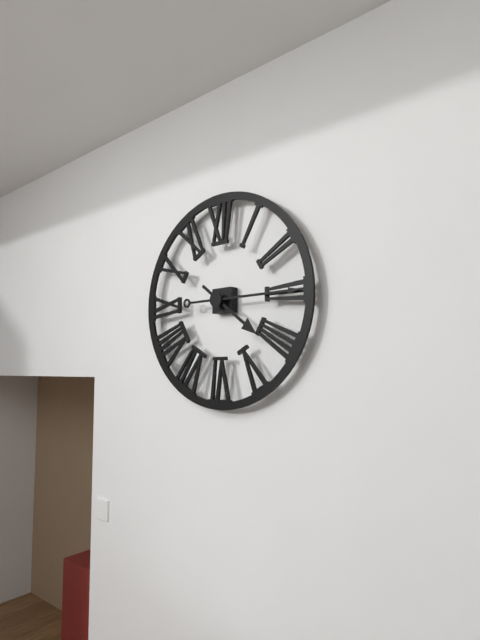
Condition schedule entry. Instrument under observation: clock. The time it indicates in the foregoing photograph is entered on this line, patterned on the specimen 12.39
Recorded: 4.15
